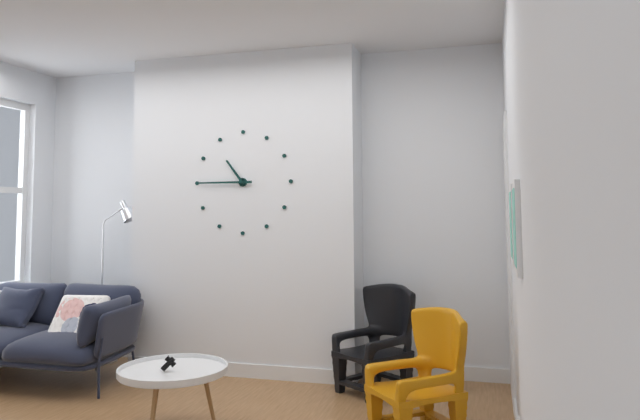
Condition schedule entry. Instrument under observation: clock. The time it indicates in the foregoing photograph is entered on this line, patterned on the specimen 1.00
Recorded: 10.45
